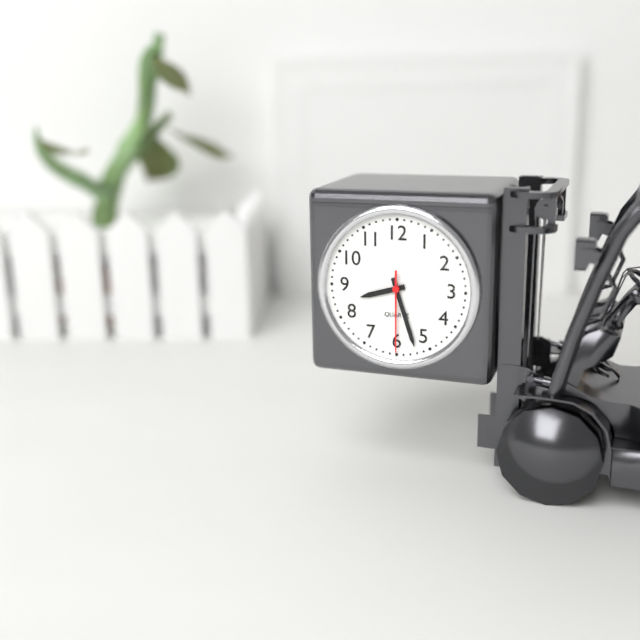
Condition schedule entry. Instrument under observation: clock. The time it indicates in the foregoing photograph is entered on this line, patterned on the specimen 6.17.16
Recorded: 8.27.30
